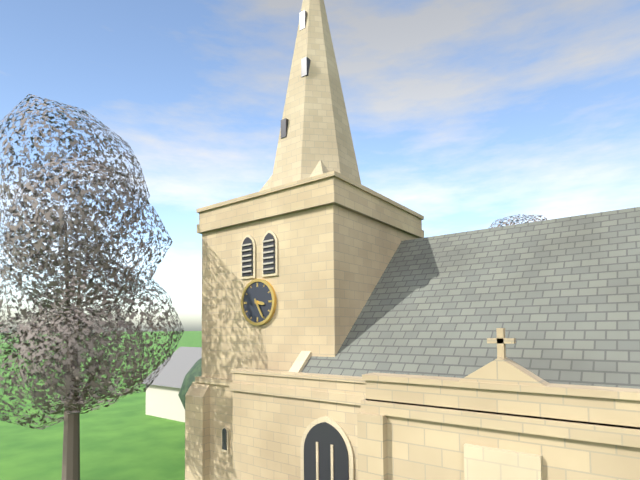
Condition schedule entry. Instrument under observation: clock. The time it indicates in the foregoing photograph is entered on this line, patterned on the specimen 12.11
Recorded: 3.25
